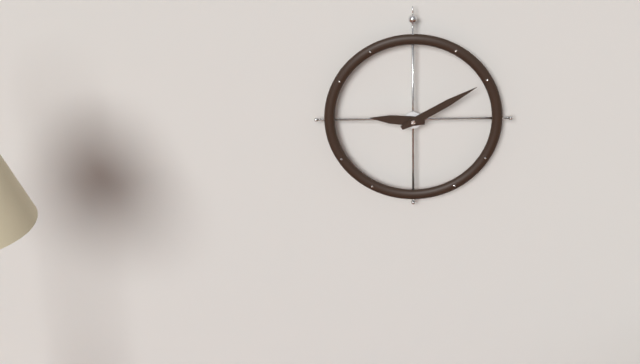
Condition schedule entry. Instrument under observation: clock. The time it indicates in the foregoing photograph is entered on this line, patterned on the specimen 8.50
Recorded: 9.10
